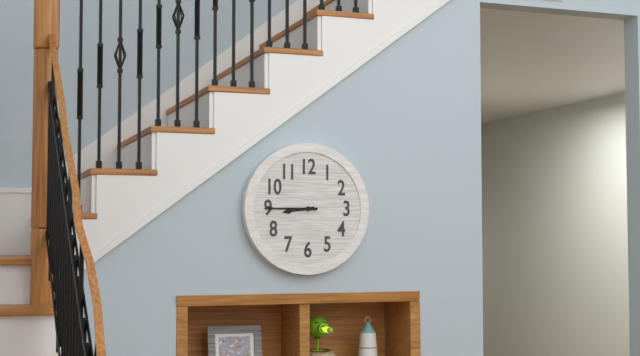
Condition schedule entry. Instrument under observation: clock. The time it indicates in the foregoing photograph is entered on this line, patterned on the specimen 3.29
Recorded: 8.45
